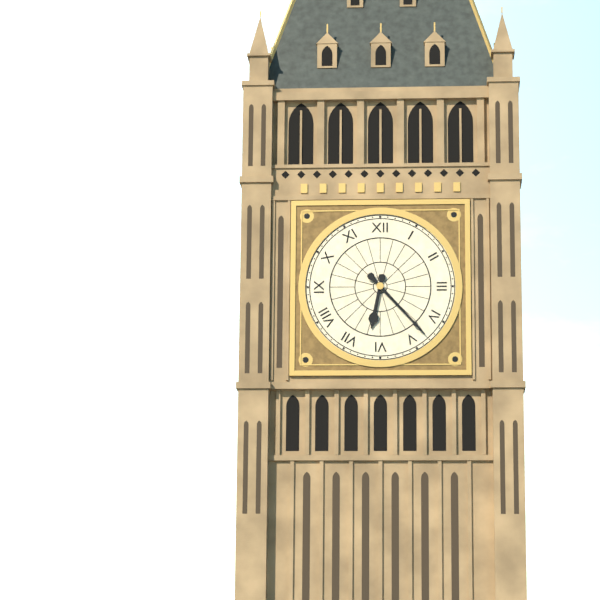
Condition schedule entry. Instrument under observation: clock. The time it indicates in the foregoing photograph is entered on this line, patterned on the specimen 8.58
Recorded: 6.23
